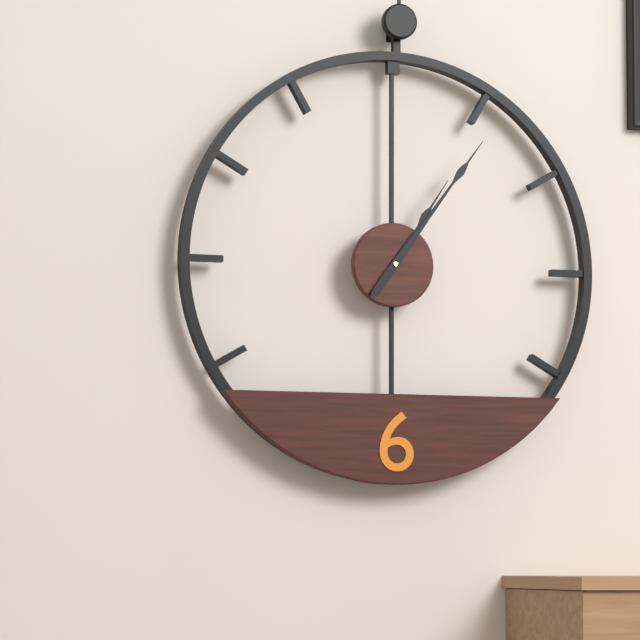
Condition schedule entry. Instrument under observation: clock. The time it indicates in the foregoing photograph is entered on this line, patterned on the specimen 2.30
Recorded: 1.06
